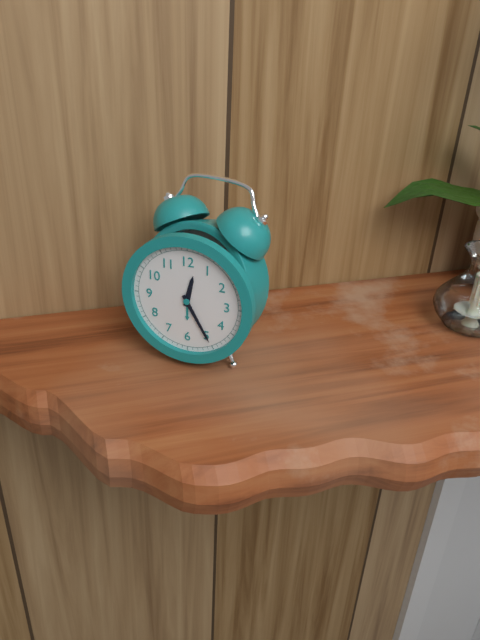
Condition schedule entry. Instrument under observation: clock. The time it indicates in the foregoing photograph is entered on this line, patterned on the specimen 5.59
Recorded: 12.25
